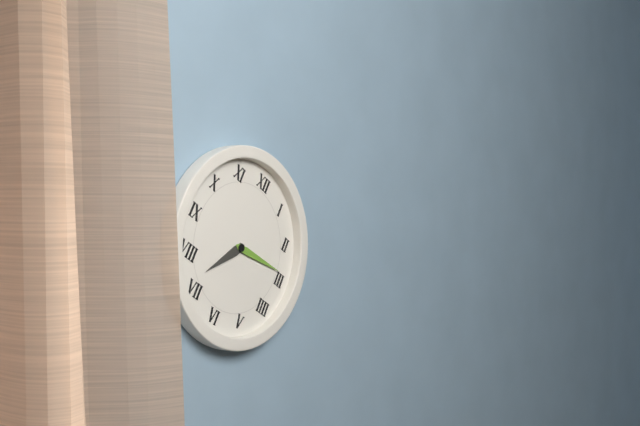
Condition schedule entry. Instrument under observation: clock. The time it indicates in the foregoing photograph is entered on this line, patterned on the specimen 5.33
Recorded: 7.14
